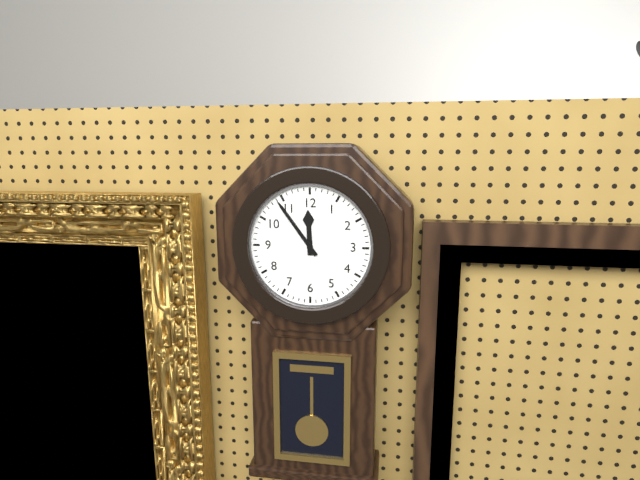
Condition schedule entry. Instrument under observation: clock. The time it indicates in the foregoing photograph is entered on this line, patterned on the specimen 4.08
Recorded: 11.54
